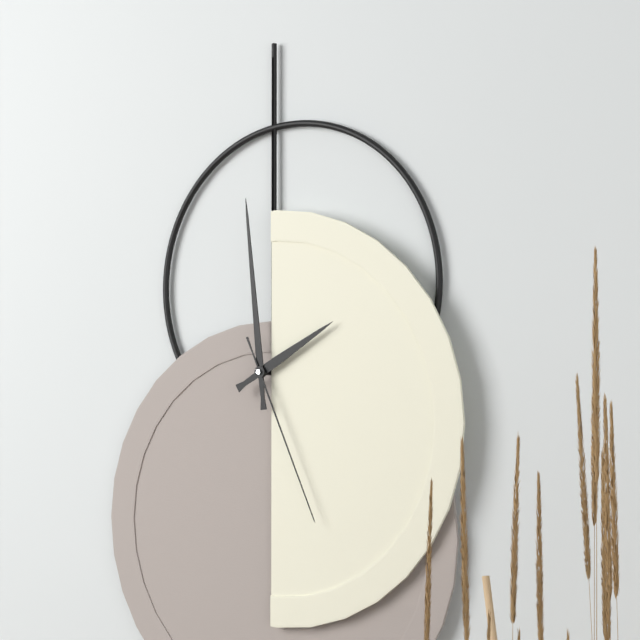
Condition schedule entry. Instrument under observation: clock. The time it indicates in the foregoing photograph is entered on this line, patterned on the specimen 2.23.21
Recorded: 1.59.26
